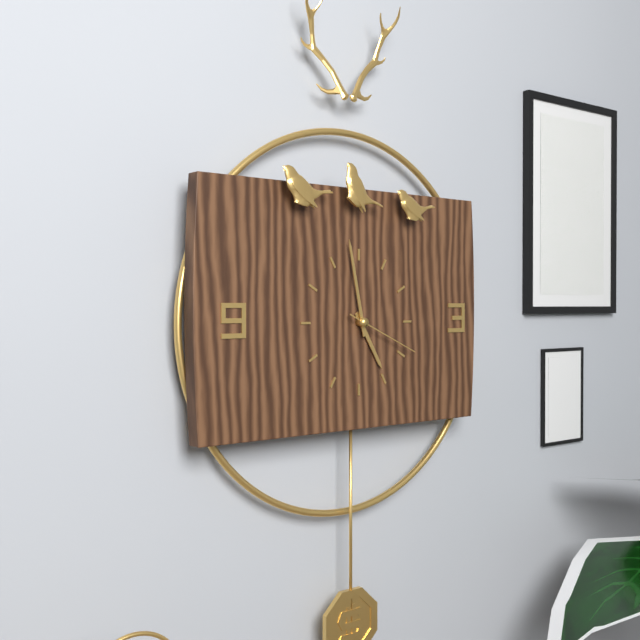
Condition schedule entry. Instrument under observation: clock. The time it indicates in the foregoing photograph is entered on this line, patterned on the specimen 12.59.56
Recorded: 4.58.19
